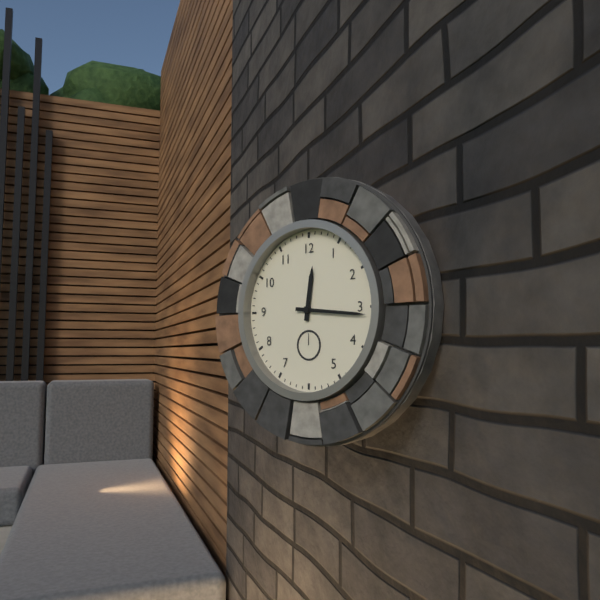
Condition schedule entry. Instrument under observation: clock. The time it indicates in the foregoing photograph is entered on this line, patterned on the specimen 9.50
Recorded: 12.16
